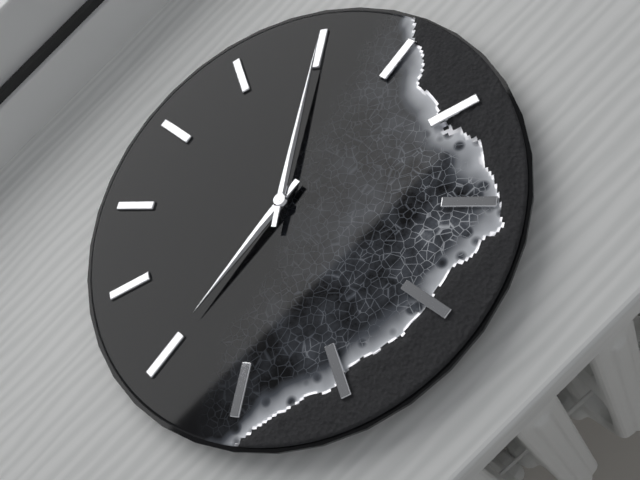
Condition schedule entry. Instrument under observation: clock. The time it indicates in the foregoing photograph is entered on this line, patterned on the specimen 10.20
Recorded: 7.00
